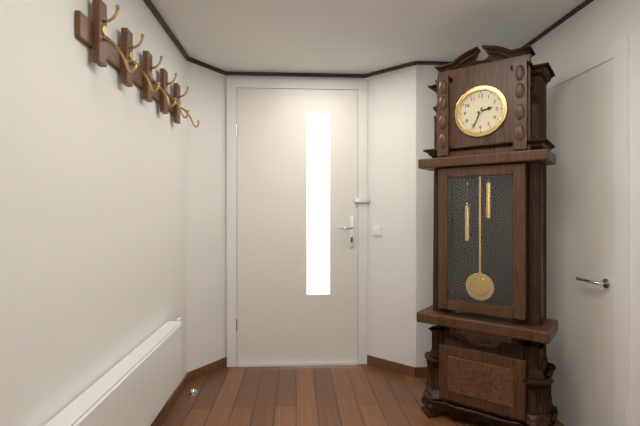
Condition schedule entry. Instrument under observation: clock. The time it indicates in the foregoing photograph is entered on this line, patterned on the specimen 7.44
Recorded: 2.34
